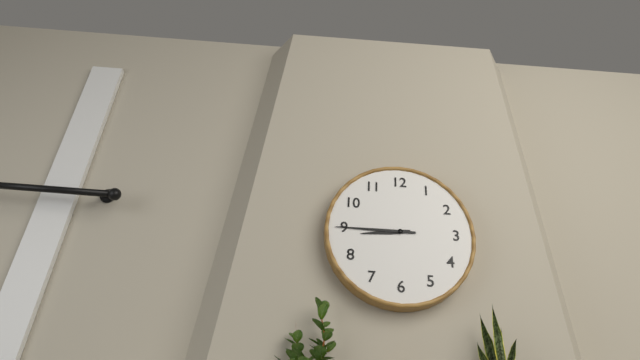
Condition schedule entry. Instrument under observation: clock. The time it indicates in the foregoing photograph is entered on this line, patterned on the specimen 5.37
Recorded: 8.45
